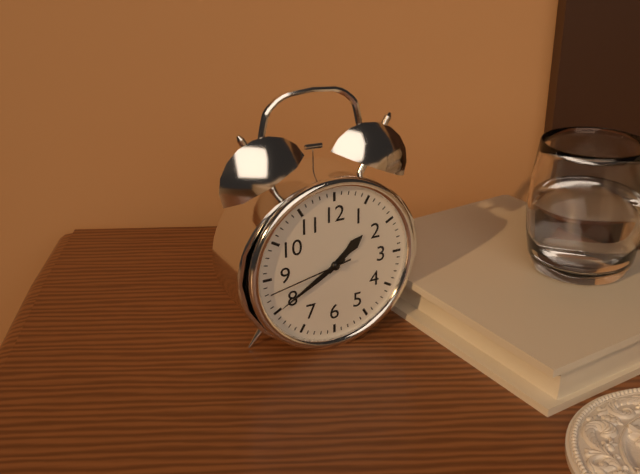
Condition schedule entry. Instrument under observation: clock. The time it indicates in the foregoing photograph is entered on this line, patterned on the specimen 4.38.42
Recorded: 1.40.43
